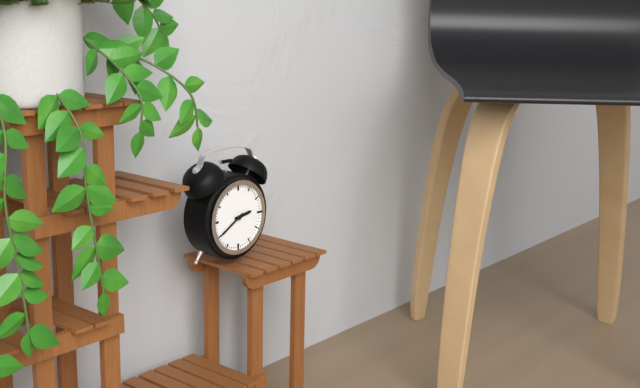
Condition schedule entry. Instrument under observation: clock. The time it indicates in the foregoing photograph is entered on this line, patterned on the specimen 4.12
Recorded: 2.40
